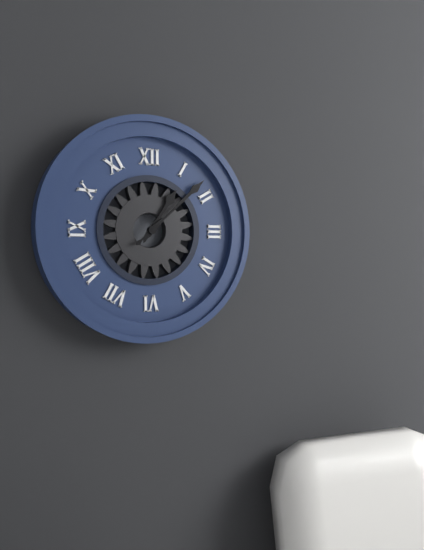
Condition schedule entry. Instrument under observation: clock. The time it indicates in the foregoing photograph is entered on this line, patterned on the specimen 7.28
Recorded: 1.08
